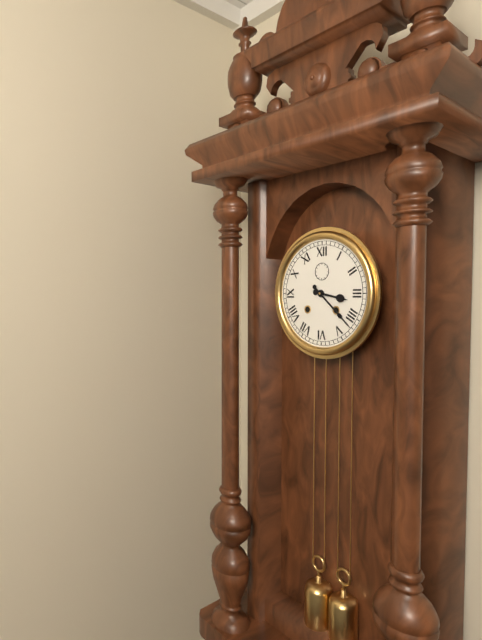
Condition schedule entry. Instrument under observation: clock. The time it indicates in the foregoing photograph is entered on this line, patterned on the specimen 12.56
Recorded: 3.22
